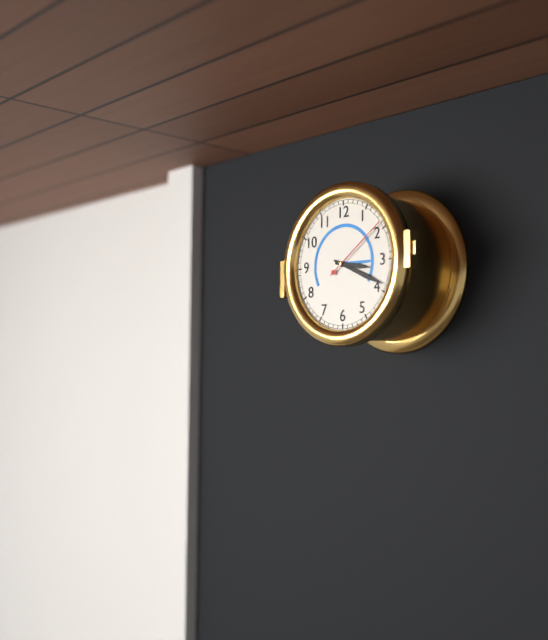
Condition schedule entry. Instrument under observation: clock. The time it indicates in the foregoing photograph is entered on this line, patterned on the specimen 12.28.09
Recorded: 3.19.09
